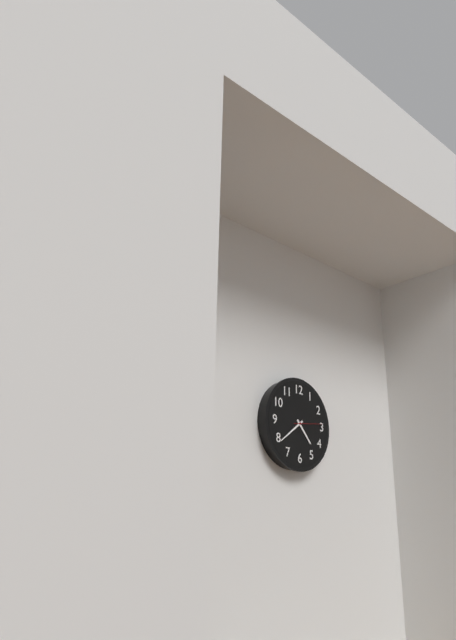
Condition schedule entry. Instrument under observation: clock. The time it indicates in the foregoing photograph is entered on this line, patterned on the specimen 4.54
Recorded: 4.39
